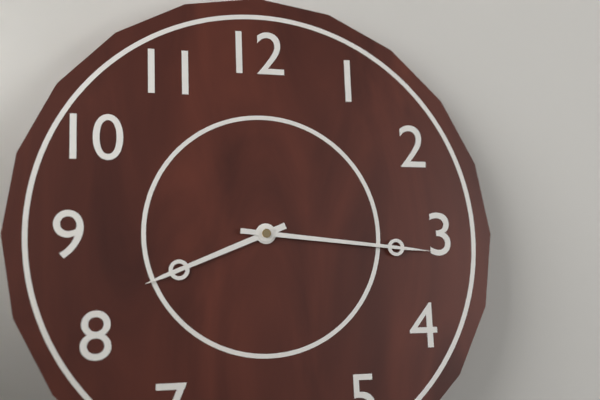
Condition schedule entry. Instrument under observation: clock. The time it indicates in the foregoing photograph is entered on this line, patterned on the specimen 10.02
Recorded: 8.16
